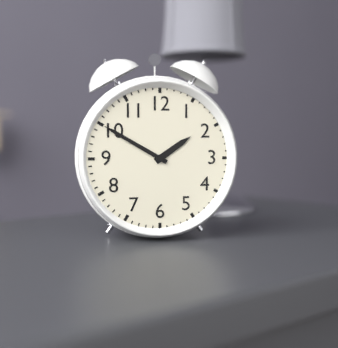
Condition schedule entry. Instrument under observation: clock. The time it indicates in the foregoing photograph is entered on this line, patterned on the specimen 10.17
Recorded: 1.50
